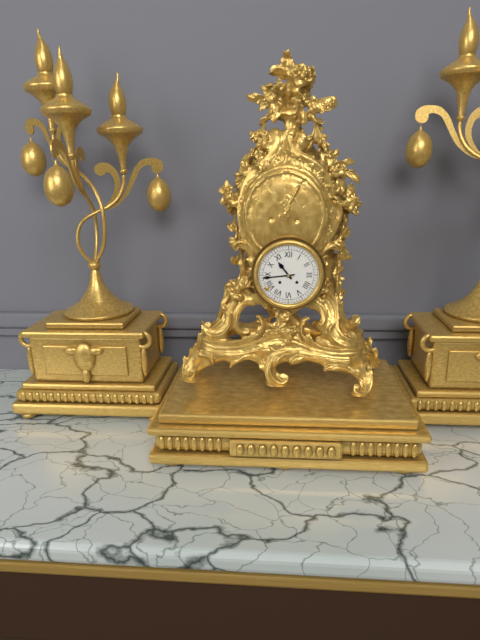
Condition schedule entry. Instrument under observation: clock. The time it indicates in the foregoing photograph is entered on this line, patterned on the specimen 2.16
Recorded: 10.44
